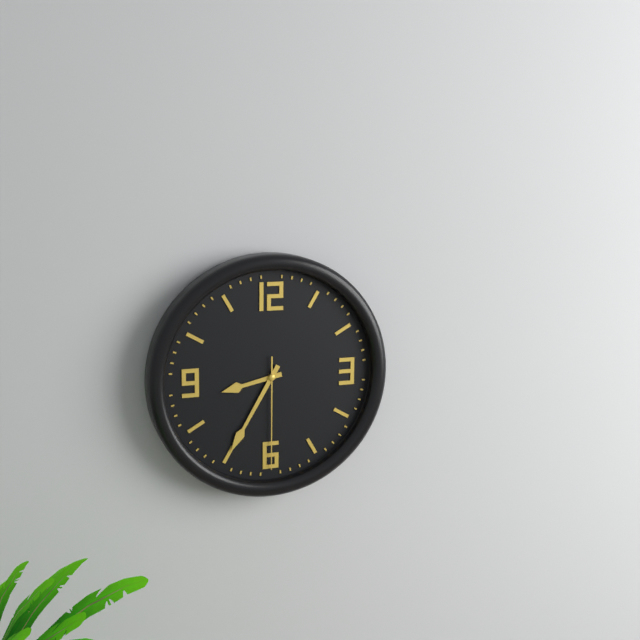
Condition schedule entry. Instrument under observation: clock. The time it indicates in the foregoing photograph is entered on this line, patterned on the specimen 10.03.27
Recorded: 8.35.30
